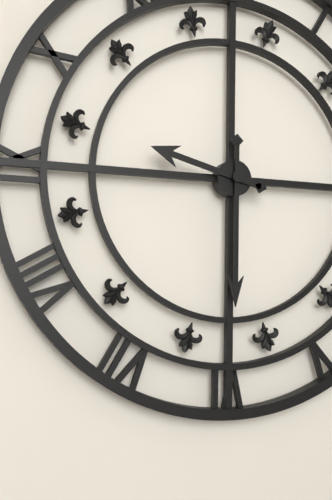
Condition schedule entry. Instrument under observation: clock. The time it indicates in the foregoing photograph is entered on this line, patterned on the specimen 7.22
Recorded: 9.30
